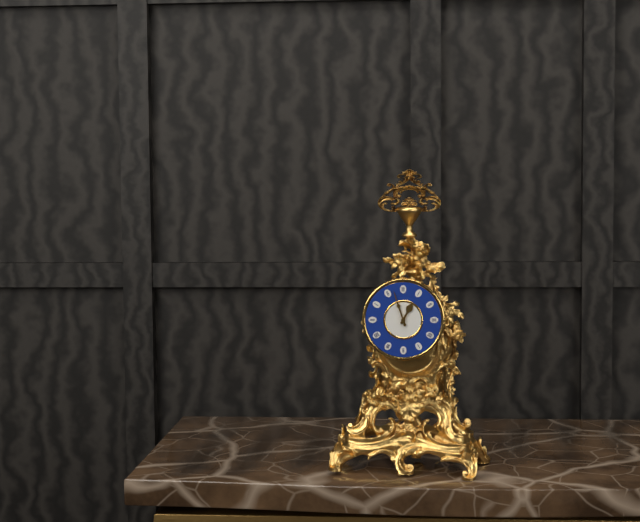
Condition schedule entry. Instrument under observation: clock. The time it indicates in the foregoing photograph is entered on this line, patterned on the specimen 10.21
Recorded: 12.57
